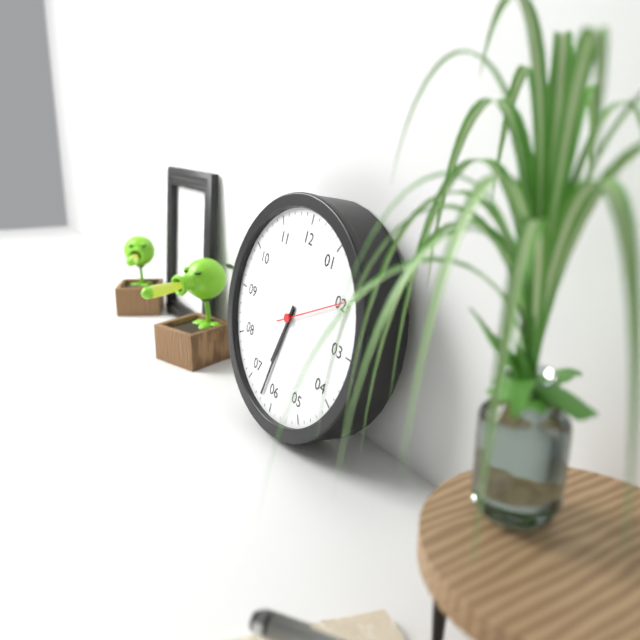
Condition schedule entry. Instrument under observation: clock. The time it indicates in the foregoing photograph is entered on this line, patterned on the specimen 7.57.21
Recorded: 6.32.10
